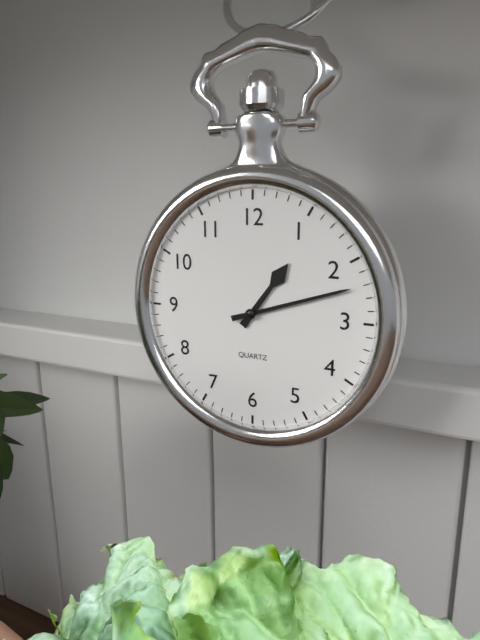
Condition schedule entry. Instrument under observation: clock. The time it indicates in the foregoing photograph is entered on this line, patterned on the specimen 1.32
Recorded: 1.12
